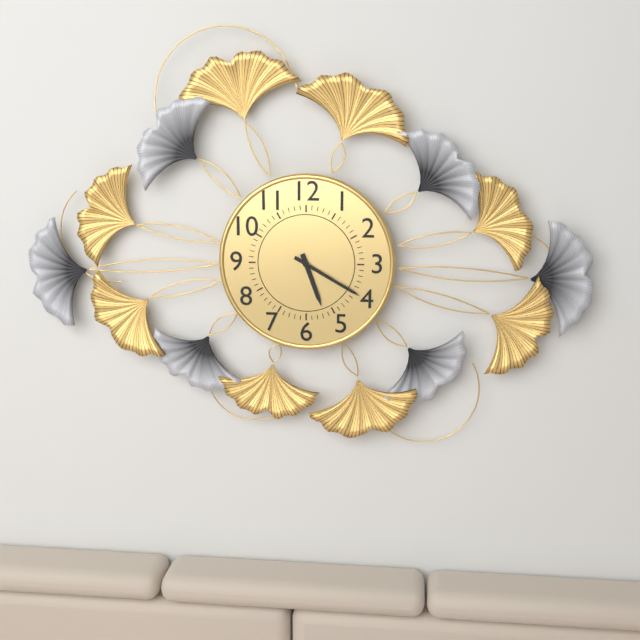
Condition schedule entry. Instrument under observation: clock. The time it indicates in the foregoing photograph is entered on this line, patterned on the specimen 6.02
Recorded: 5.20
